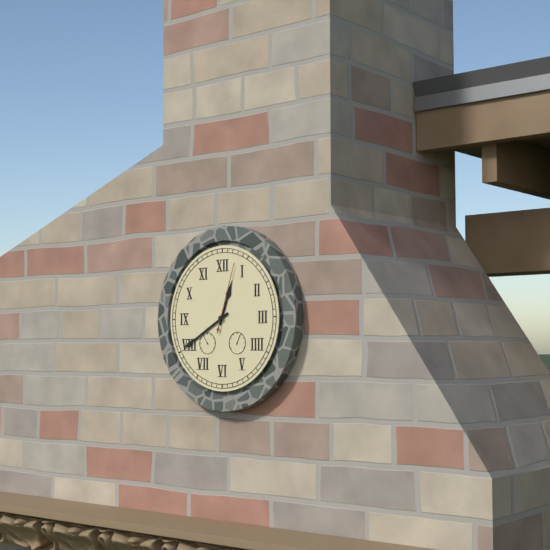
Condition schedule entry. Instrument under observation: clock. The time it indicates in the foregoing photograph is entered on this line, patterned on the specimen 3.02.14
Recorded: 12.40.03
